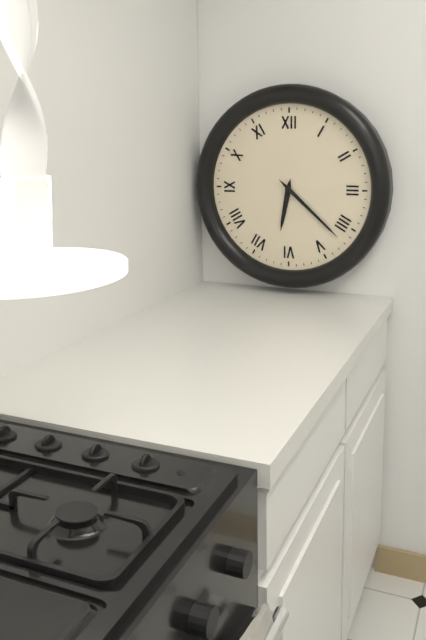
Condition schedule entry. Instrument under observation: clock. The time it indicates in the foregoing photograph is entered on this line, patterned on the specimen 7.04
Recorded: 6.22
